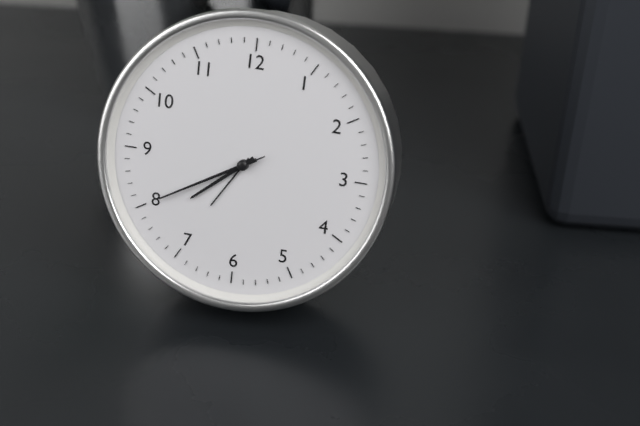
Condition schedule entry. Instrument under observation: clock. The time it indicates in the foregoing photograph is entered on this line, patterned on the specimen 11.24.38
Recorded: 7.40.40
